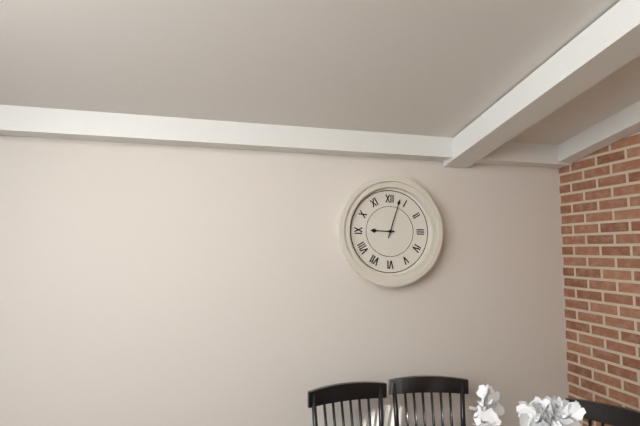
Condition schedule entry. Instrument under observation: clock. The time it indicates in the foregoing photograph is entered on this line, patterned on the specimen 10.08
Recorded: 9.03
